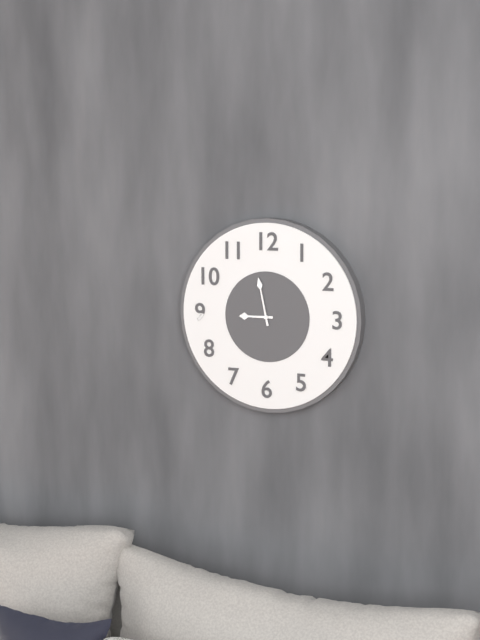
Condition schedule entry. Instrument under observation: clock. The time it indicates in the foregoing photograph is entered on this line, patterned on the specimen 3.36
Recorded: 8.58
